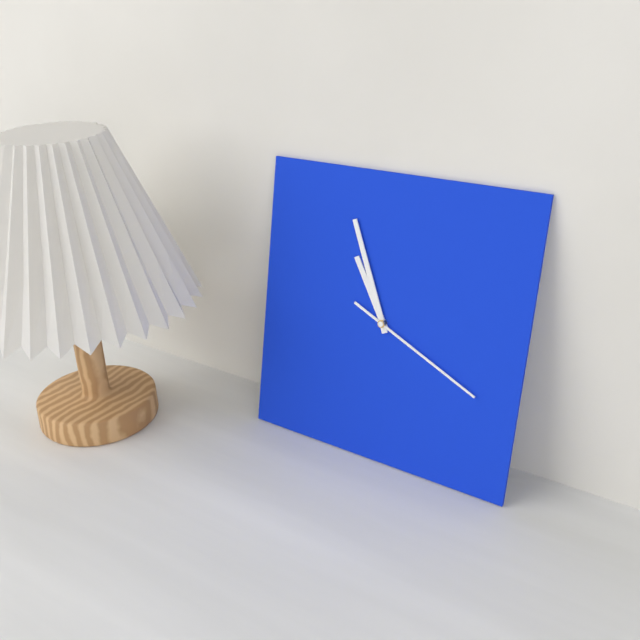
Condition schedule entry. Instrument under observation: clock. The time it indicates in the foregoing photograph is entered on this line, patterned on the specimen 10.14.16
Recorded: 10.56.19
